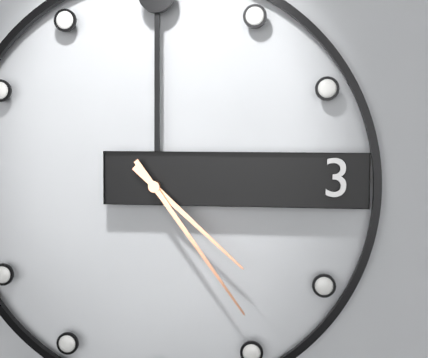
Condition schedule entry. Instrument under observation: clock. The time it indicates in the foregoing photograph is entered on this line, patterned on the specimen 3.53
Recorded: 4.24
